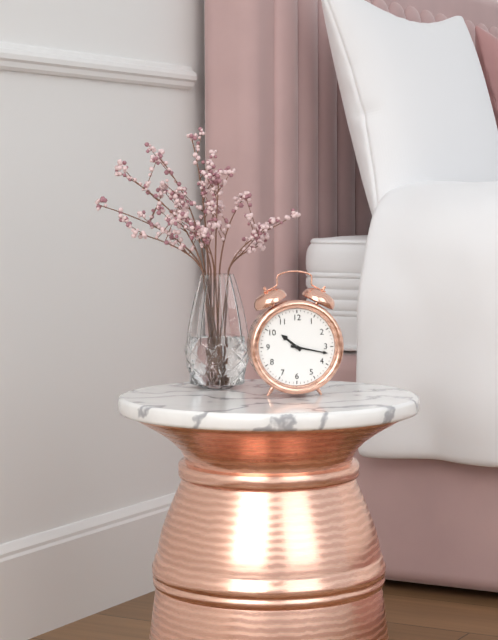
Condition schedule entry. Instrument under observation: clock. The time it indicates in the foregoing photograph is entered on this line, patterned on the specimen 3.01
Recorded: 10.17
